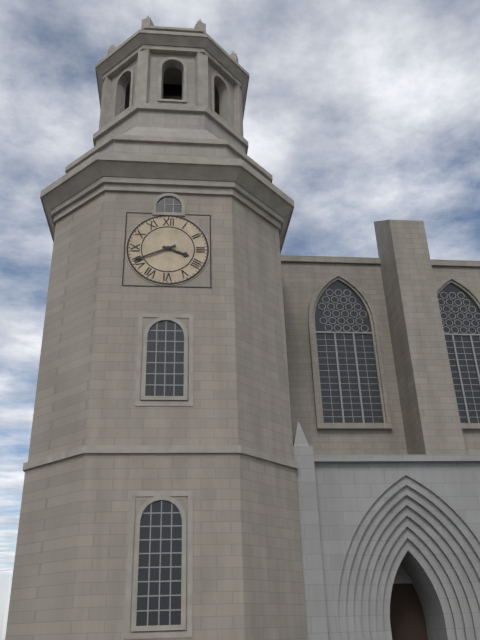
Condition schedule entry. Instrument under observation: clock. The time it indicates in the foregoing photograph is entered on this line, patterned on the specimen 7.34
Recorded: 3.41
